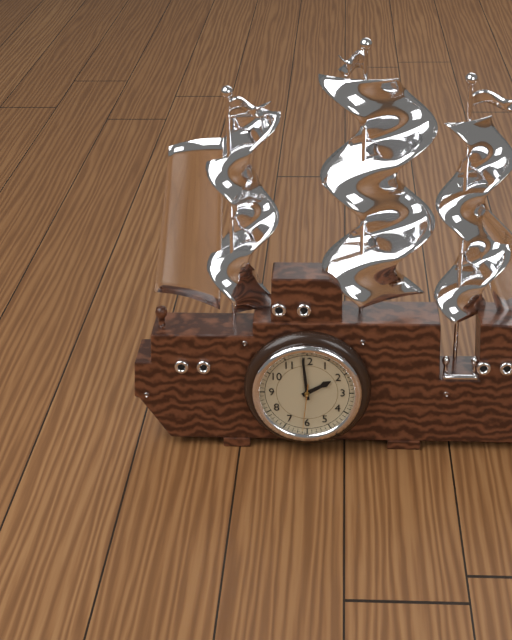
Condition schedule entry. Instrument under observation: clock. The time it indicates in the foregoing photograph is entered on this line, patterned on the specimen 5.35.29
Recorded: 1.59.31
